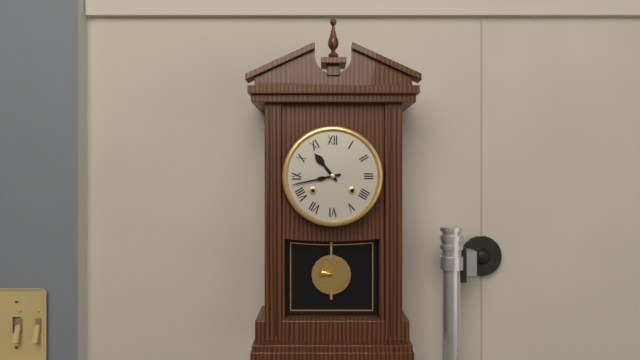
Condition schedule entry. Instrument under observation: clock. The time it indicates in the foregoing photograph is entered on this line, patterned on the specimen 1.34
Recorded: 10.43
